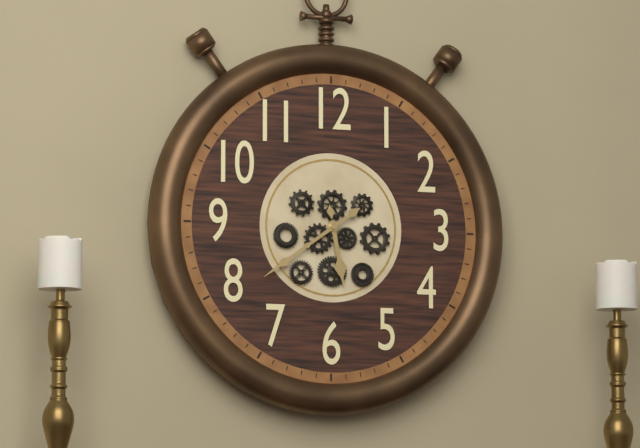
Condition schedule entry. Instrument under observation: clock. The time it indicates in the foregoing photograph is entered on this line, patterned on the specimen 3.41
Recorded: 5.39
